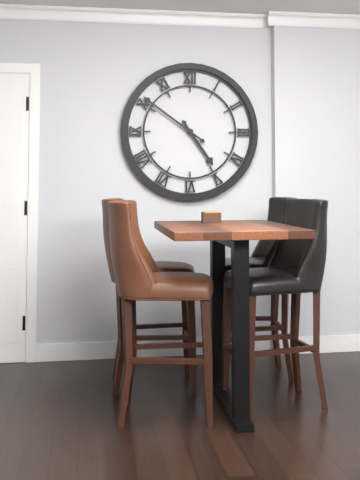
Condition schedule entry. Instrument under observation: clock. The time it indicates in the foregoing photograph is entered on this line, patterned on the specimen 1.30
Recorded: 4.51
